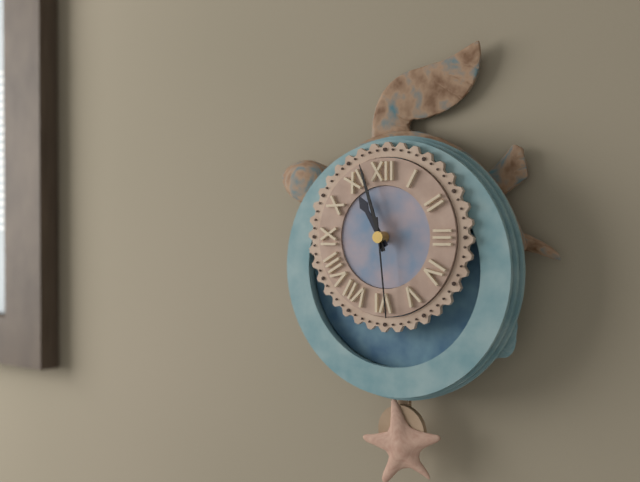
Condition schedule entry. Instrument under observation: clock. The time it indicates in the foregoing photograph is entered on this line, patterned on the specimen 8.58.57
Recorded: 10.57.29
